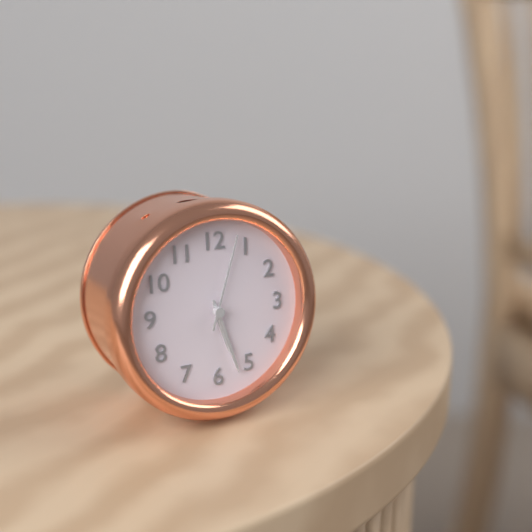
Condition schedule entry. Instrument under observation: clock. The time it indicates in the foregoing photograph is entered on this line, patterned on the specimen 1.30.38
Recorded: 5.27.03
